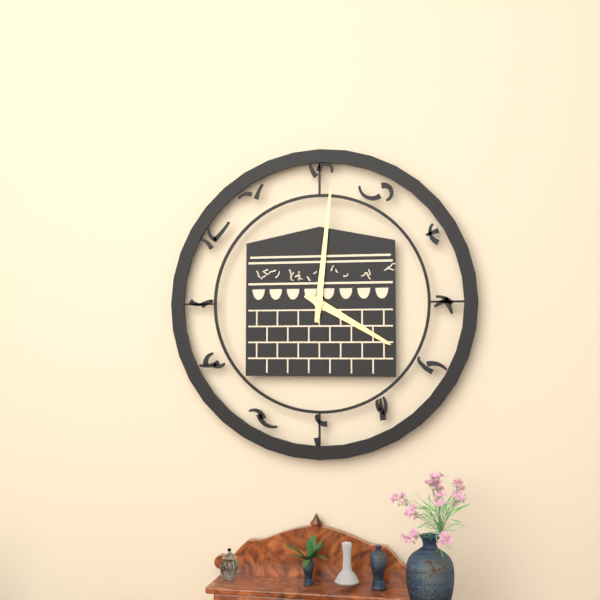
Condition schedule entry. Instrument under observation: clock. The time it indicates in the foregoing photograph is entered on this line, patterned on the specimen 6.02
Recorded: 4.01
